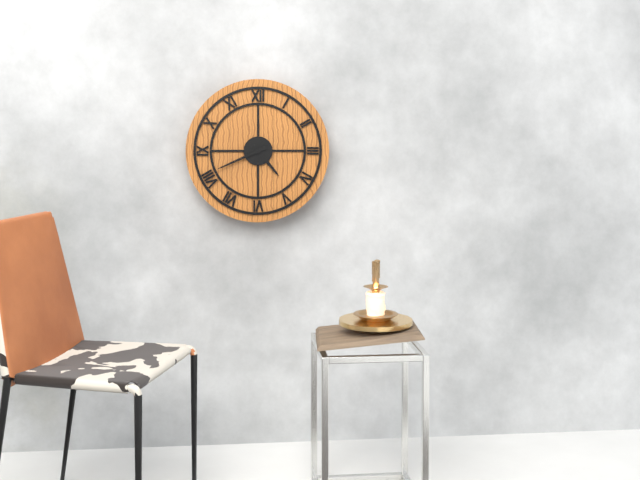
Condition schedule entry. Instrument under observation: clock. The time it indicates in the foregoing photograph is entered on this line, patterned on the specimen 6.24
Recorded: 4.41
